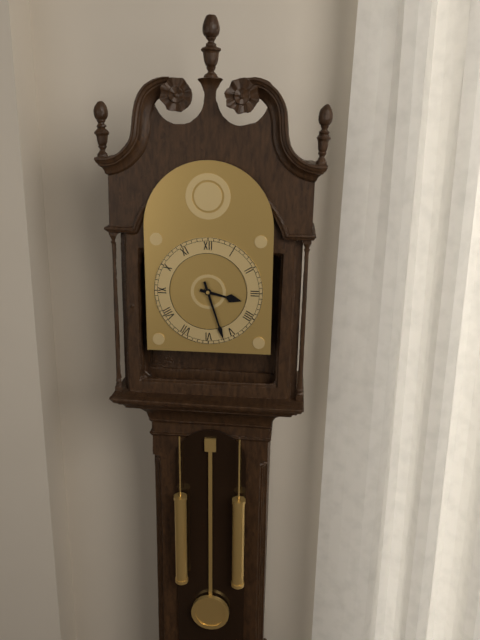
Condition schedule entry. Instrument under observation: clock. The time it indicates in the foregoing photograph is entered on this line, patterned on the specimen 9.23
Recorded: 3.27
